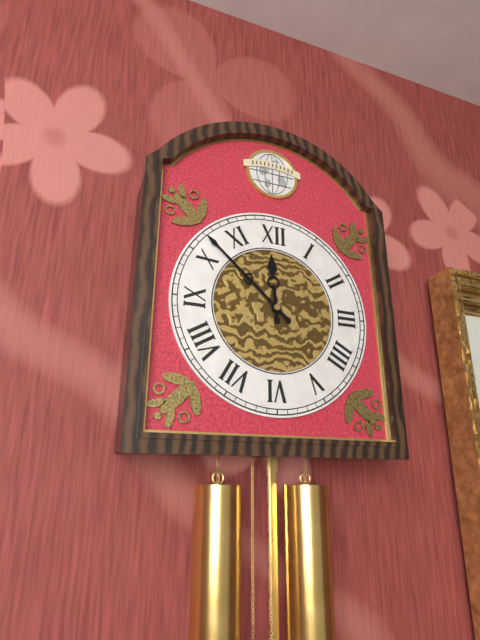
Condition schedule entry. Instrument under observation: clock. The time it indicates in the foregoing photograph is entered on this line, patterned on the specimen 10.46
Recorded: 11.52
